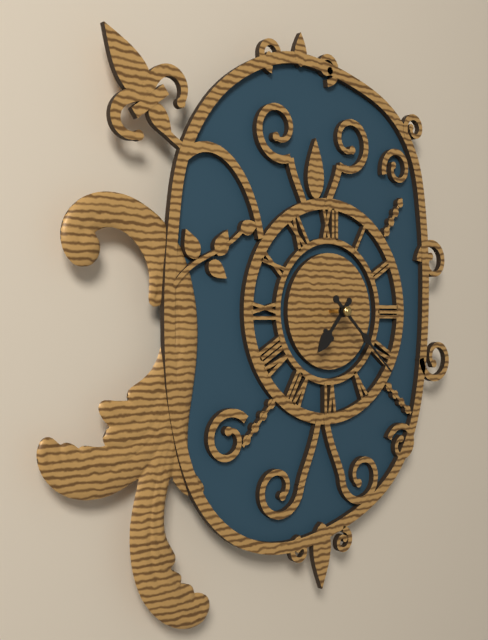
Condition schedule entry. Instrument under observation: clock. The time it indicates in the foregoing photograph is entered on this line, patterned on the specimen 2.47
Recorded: 7.22
